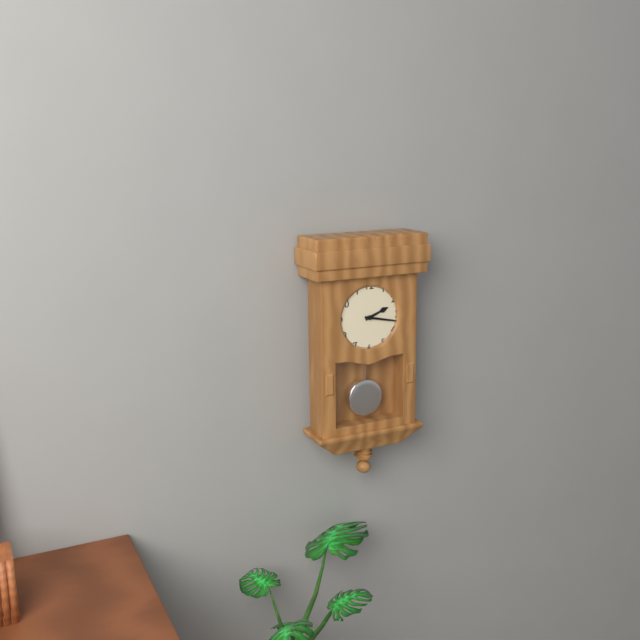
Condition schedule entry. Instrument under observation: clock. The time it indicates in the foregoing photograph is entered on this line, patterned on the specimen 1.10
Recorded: 2.17
